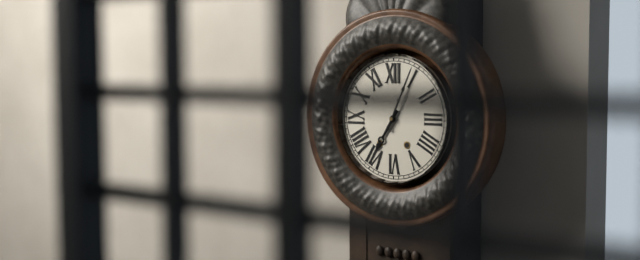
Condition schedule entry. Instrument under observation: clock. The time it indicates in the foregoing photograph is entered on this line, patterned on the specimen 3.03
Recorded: 7.04
